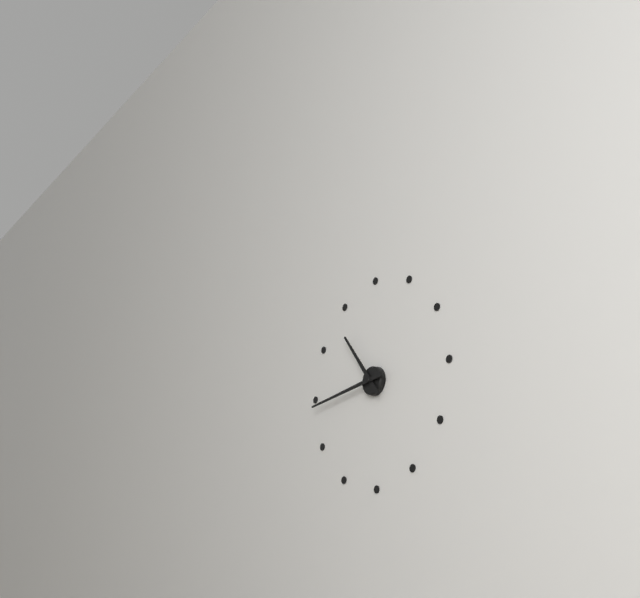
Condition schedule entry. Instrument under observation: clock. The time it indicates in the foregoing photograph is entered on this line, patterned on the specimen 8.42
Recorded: 10.44
